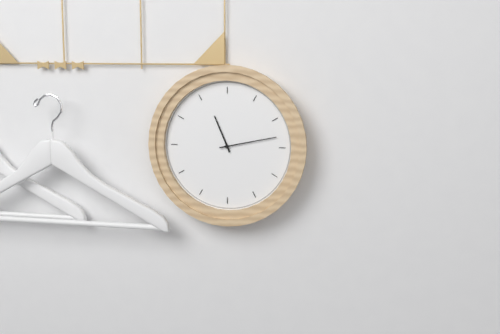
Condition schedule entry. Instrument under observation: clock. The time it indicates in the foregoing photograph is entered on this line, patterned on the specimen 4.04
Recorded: 11.13
